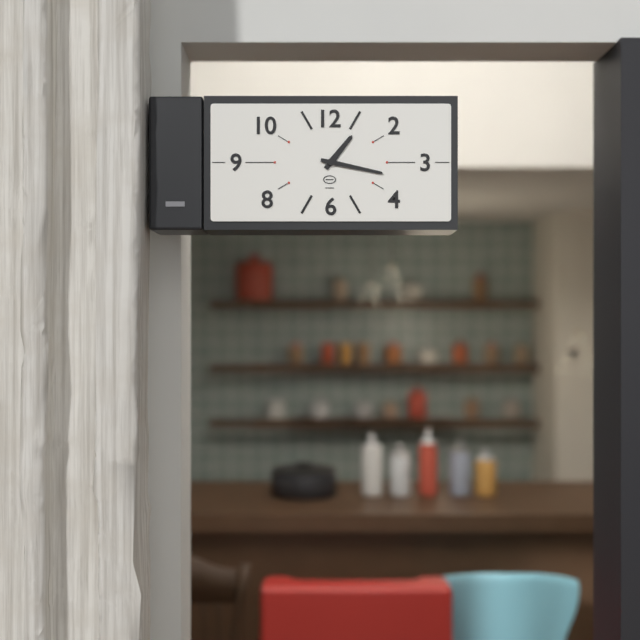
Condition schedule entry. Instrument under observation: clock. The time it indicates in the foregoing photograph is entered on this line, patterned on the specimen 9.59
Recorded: 1.17
